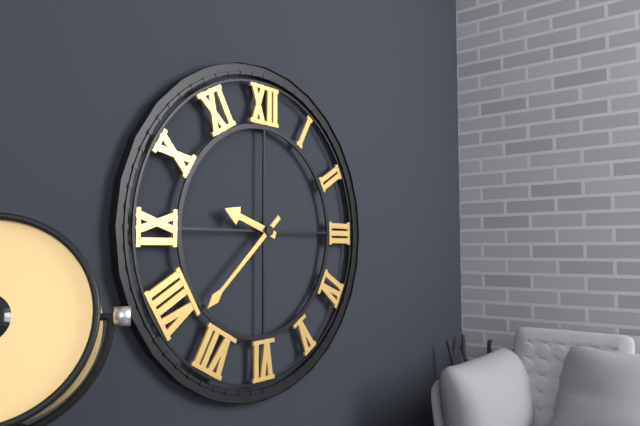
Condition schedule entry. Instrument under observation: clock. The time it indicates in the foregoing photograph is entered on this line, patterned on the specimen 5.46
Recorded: 9.38
